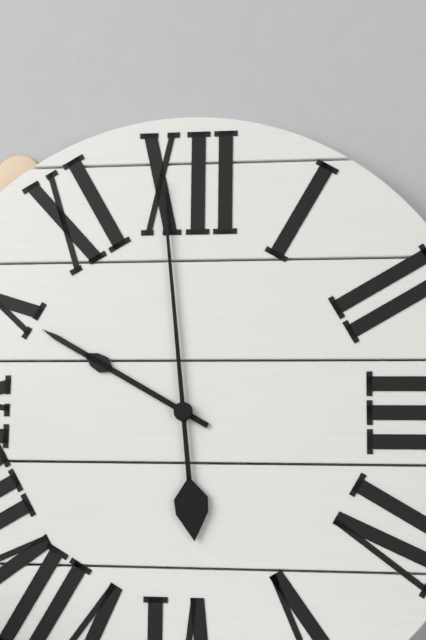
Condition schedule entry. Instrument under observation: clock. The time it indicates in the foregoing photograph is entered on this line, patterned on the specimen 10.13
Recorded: 9.59
